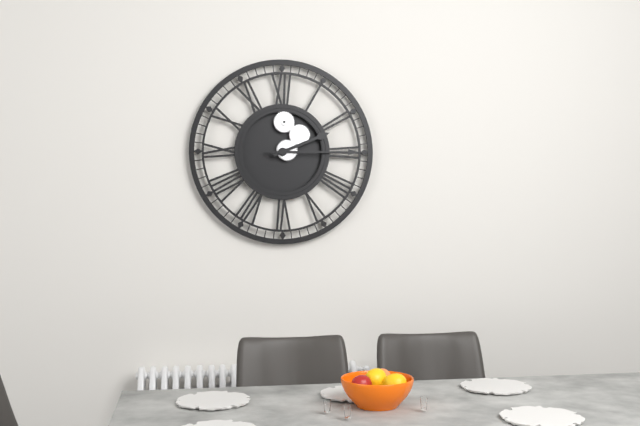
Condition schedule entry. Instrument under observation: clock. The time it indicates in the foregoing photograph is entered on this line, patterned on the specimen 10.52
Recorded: 2.15
